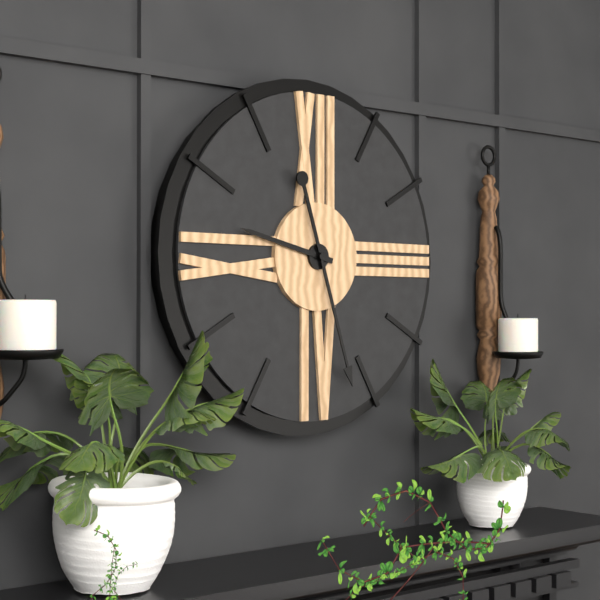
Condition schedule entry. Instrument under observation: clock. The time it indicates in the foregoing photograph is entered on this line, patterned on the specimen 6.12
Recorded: 9.27
